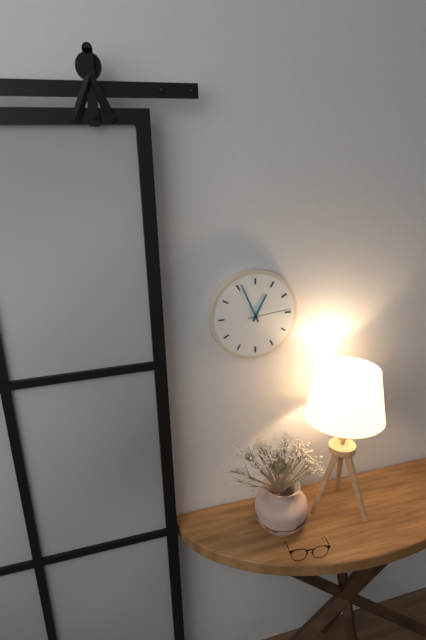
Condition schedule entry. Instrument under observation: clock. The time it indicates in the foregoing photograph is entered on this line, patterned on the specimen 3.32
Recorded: 12.56
